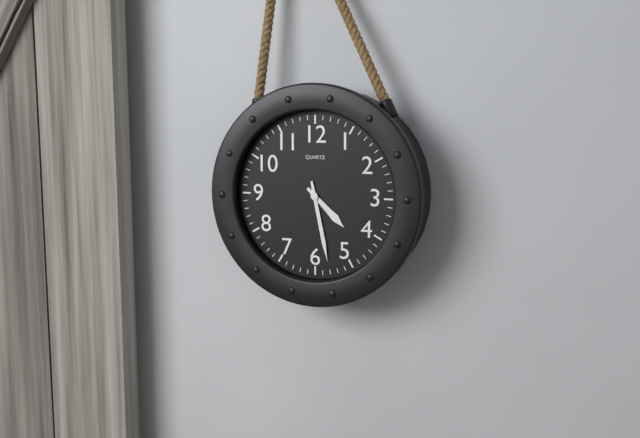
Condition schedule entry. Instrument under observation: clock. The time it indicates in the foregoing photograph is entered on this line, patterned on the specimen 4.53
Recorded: 4.28
